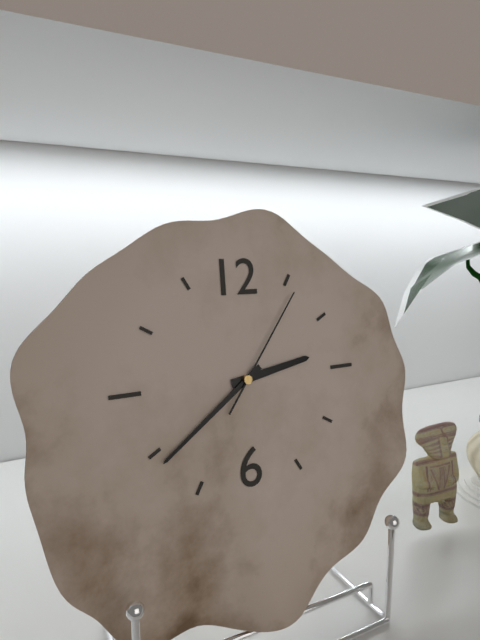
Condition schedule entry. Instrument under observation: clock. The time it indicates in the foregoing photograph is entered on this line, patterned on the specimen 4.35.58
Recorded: 2.39.06
